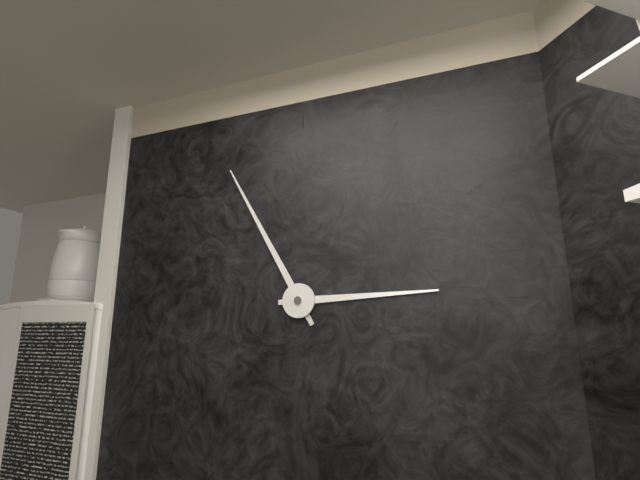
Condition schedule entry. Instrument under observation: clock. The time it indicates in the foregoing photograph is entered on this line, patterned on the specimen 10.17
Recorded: 2.55
